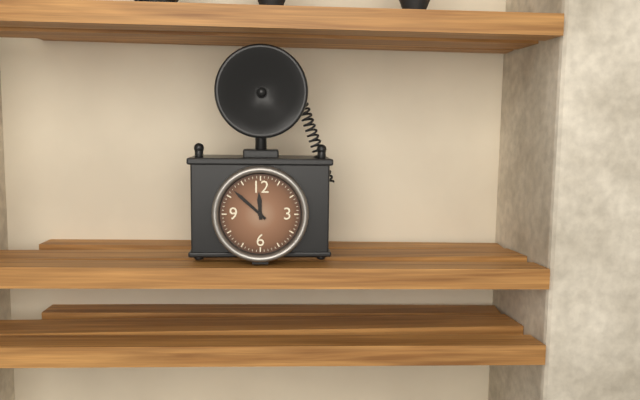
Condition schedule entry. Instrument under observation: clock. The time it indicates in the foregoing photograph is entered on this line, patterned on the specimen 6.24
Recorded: 11.52
